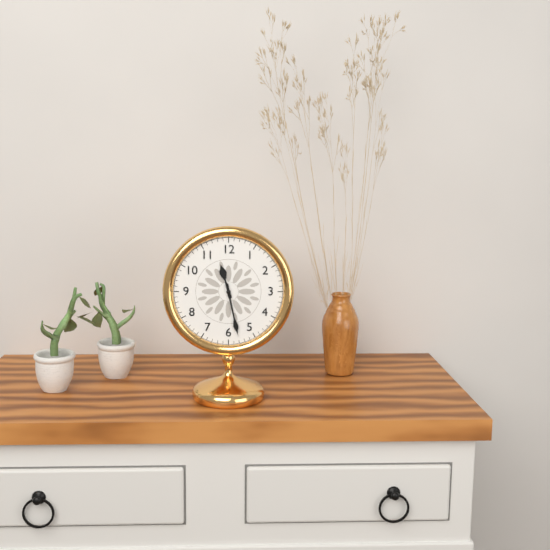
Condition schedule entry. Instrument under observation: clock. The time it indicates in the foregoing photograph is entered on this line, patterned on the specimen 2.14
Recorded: 11.28
